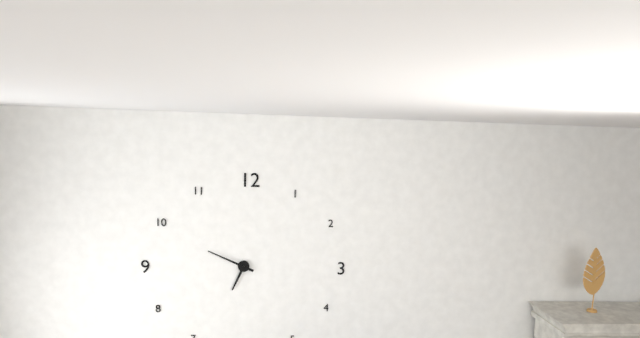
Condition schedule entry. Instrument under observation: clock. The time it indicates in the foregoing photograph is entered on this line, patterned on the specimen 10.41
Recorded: 6.49
